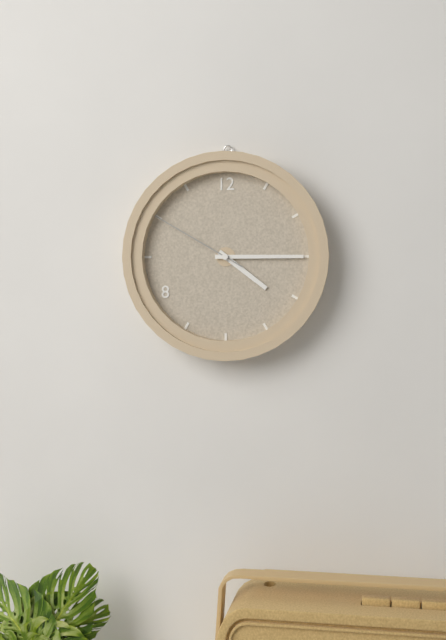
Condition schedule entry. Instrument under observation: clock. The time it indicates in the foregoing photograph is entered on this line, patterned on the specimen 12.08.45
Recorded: 4.15.50
